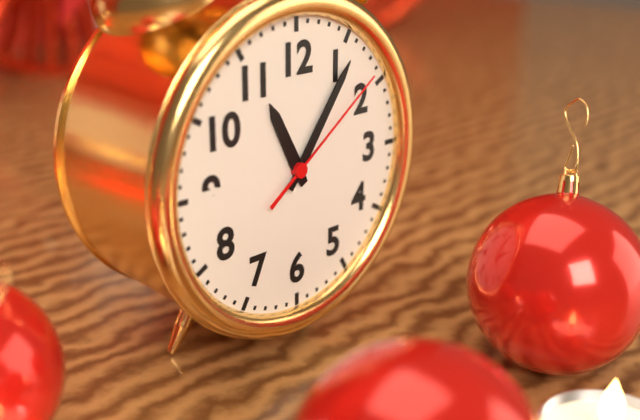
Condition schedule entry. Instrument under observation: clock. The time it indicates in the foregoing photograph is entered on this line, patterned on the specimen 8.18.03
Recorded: 11.06.09
